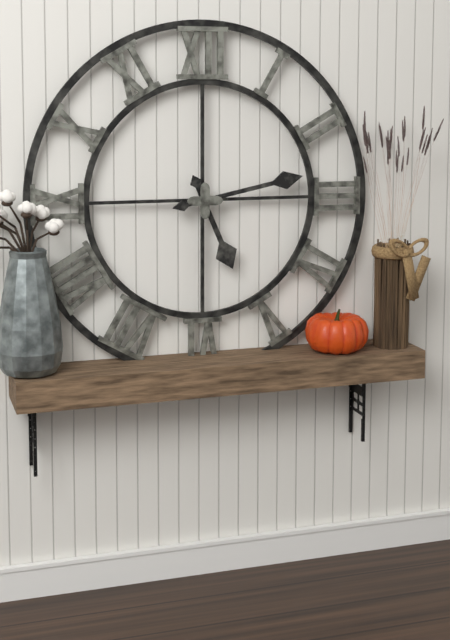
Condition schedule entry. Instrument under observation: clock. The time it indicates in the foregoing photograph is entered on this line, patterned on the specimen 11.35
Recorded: 5.13
